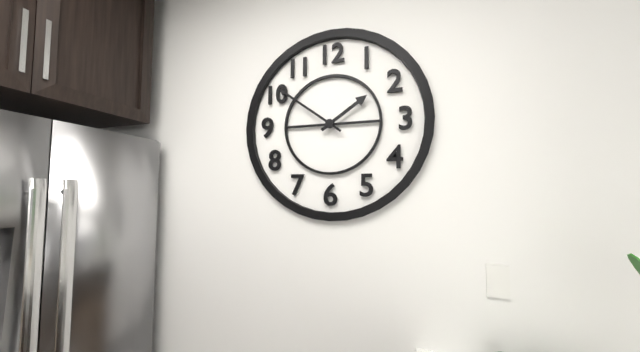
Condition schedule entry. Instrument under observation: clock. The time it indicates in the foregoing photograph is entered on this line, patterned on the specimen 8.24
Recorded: 1.51
